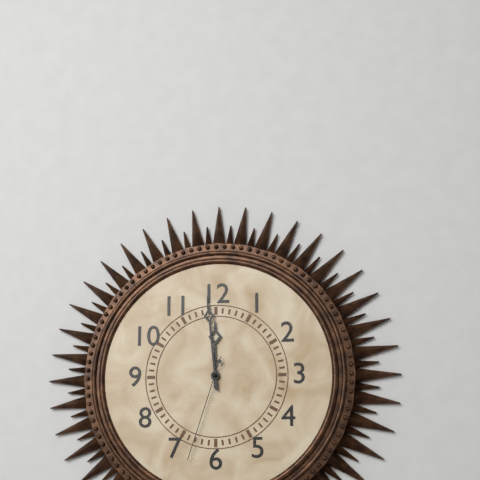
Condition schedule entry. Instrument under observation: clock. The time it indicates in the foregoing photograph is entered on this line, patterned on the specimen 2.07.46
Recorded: 11.59.33
